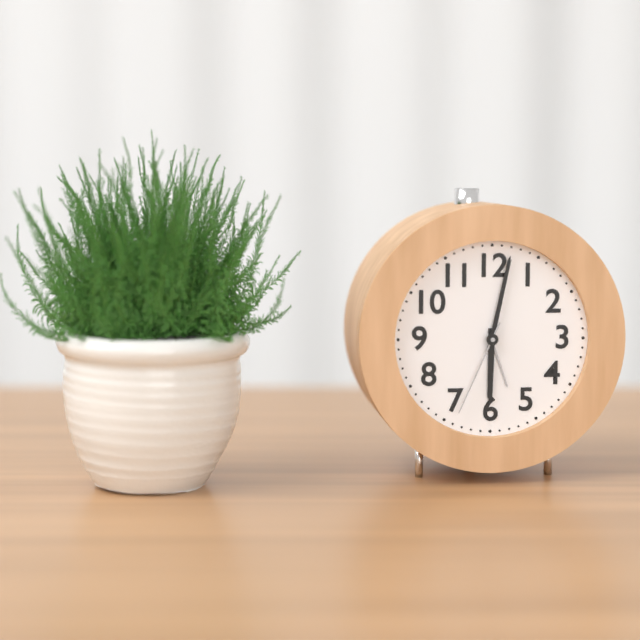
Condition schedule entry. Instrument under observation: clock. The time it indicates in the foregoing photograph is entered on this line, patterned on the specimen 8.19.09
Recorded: 6.02.34
